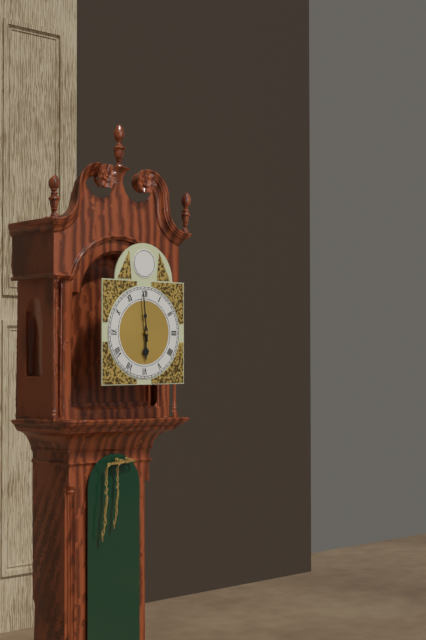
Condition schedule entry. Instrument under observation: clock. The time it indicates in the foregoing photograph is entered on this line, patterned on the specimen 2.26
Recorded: 5.59
